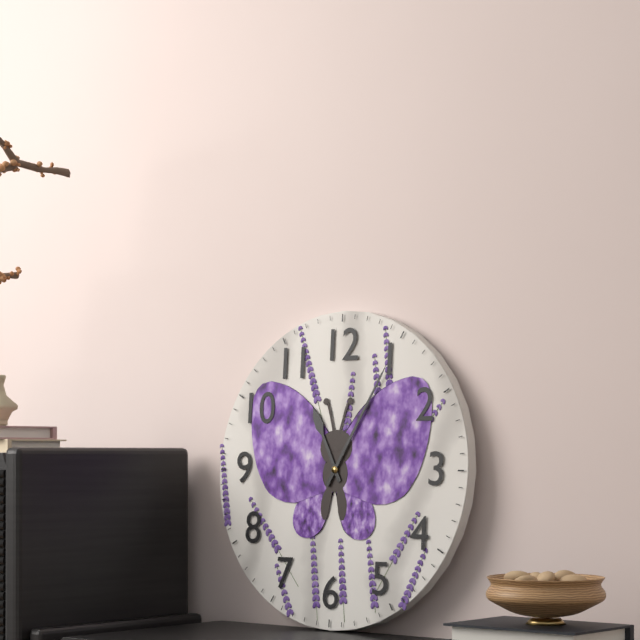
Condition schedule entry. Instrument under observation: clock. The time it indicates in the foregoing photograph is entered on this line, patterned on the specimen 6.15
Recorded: 11.05
